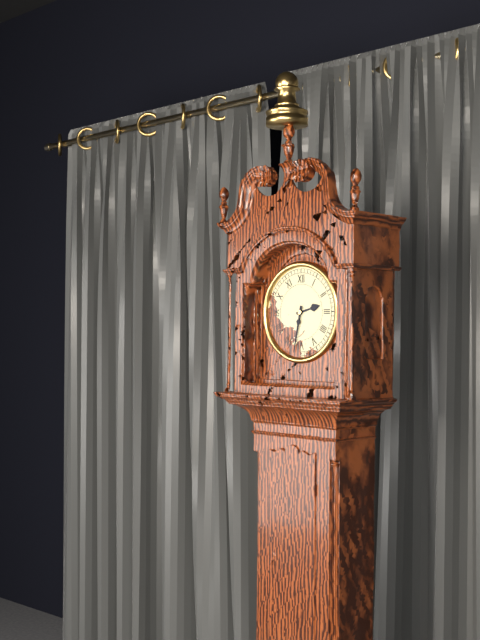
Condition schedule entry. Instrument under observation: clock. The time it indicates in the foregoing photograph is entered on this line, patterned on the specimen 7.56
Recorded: 2.32
